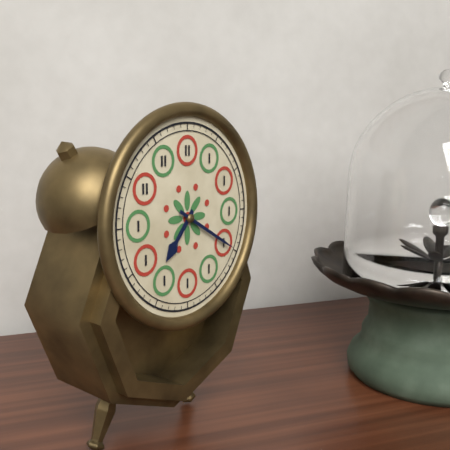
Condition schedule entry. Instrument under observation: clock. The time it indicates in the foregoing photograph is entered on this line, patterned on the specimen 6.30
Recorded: 7.20
